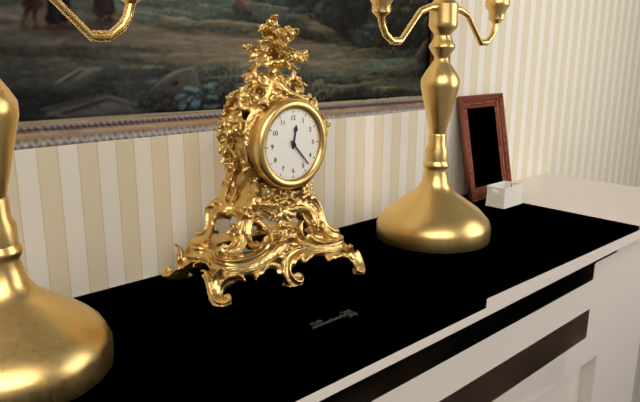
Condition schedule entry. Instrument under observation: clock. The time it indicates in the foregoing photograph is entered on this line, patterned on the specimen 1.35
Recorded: 12.23
